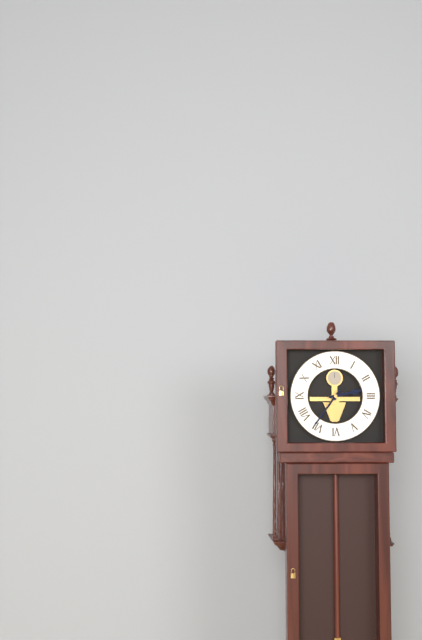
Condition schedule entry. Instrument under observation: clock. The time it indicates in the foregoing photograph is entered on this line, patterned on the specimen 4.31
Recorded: 2.36
